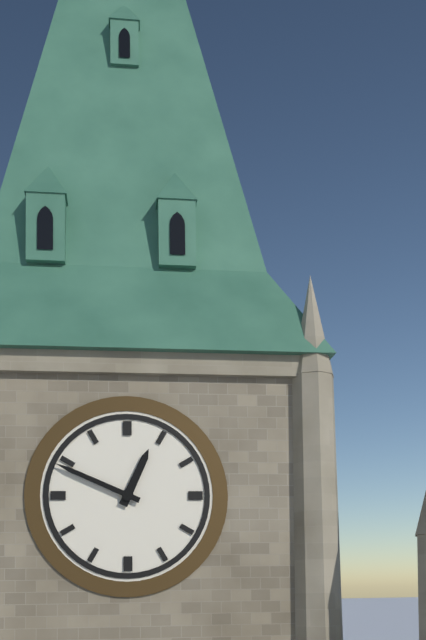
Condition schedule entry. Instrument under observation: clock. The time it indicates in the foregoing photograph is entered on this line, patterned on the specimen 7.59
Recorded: 12.49
